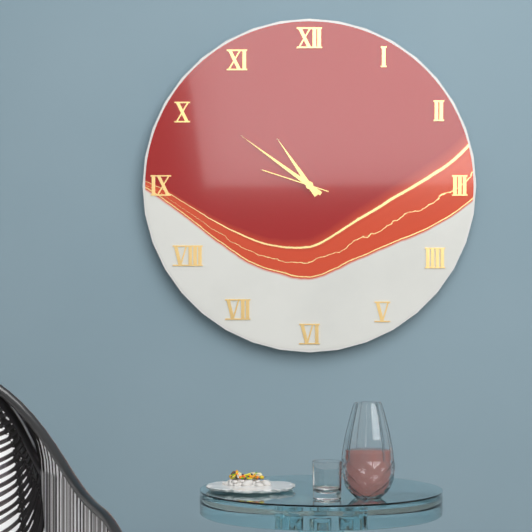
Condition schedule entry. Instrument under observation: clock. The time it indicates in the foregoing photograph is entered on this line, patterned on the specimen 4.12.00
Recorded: 10.51.48
